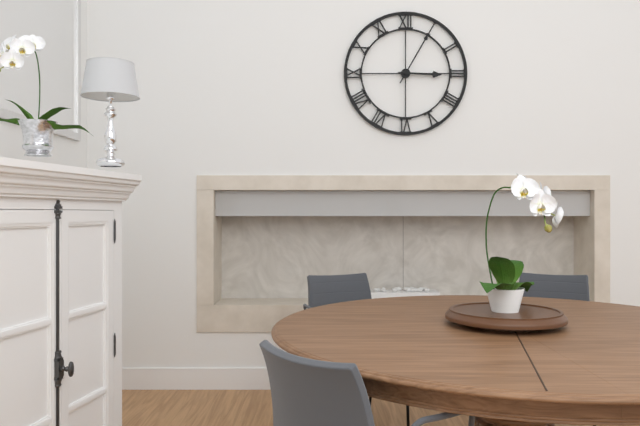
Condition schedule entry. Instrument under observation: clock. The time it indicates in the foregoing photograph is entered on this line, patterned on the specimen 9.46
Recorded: 3.05
